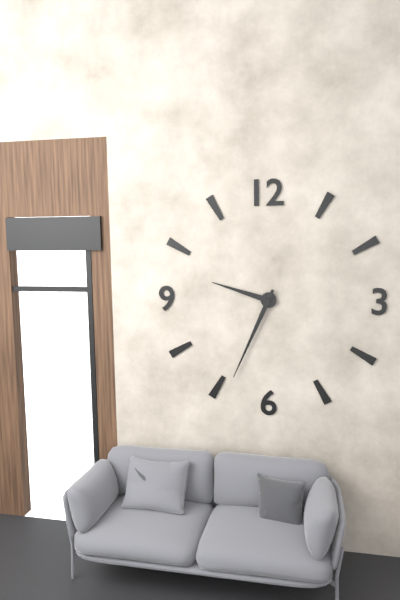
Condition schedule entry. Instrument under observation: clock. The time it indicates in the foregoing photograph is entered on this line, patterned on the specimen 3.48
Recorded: 9.34
